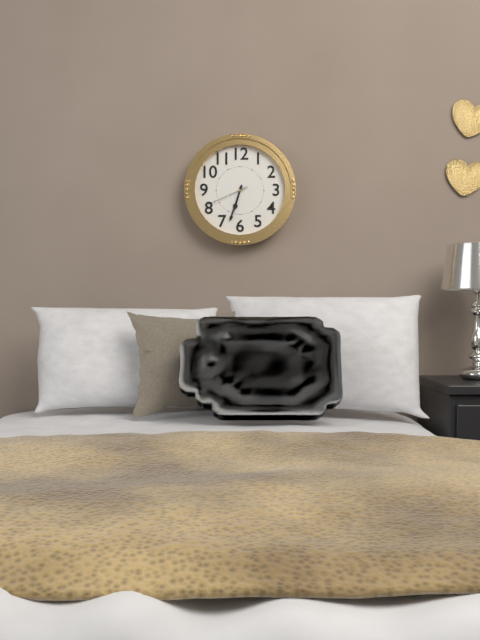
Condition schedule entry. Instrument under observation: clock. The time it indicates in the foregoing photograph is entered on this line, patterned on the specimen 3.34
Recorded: 6.33
